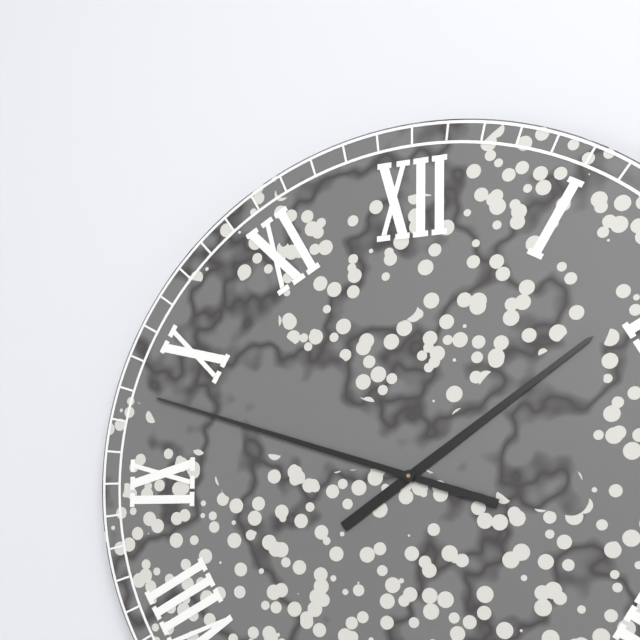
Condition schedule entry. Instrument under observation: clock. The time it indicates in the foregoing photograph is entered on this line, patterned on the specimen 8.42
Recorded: 1.48
